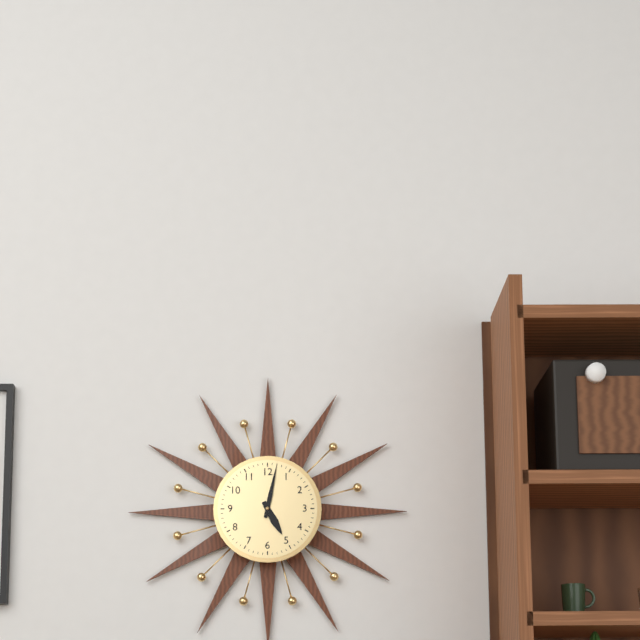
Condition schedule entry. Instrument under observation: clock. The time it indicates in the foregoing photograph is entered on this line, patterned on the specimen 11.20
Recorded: 5.02
